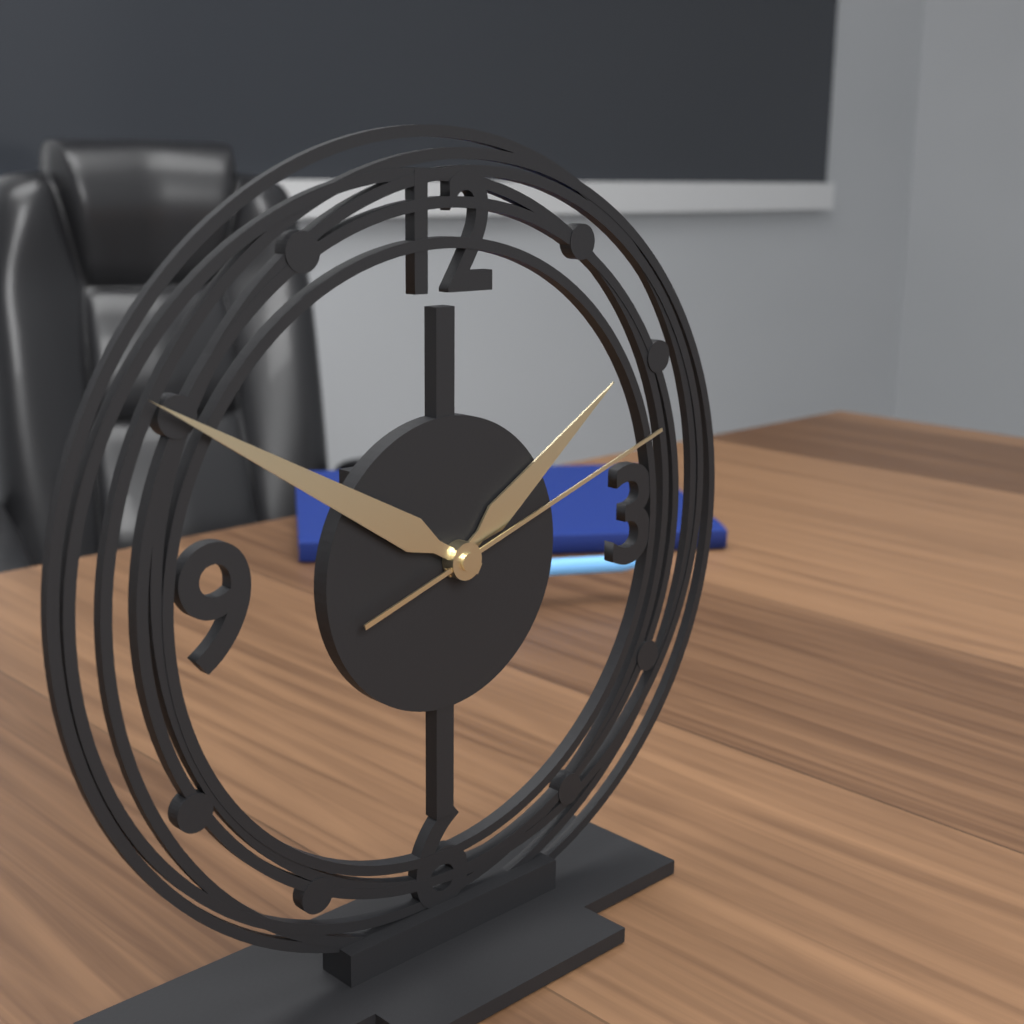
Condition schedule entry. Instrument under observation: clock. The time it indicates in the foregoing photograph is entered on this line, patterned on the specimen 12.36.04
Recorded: 1.50.12
